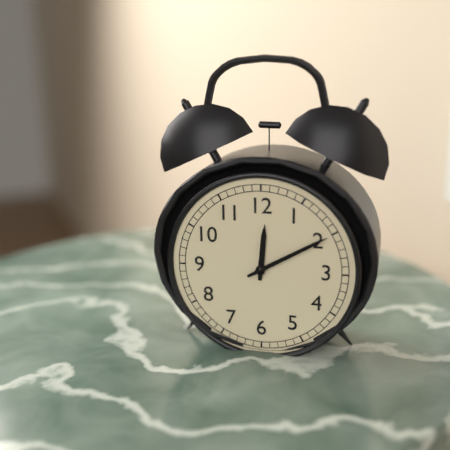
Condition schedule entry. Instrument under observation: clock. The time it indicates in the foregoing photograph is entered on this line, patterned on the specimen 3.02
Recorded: 12.10
